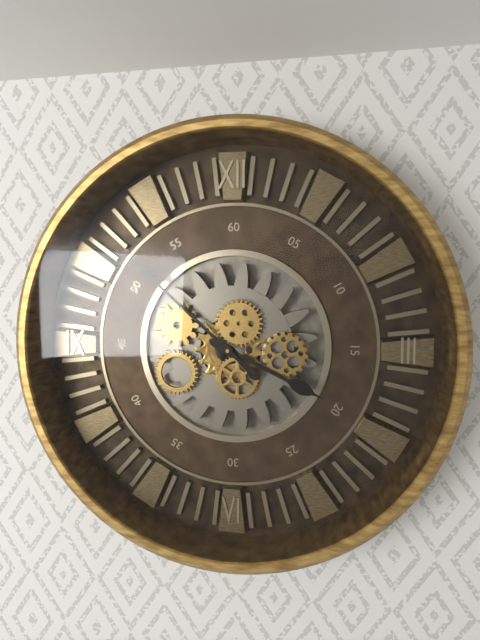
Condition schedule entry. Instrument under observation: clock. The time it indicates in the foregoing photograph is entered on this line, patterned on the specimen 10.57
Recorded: 3.52
